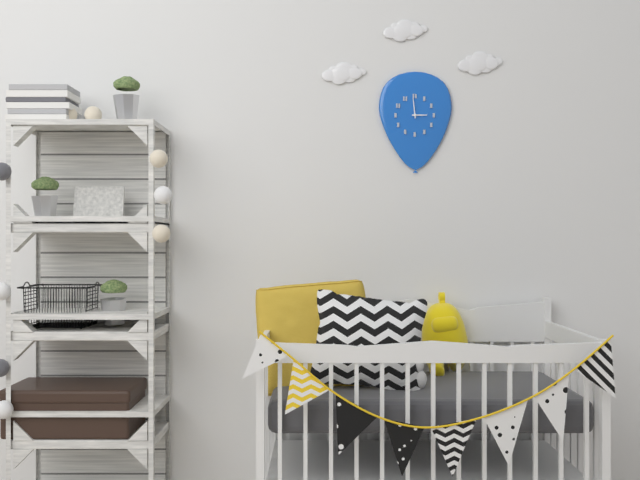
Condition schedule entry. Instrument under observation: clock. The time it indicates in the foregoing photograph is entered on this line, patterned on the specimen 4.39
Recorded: 2.59
